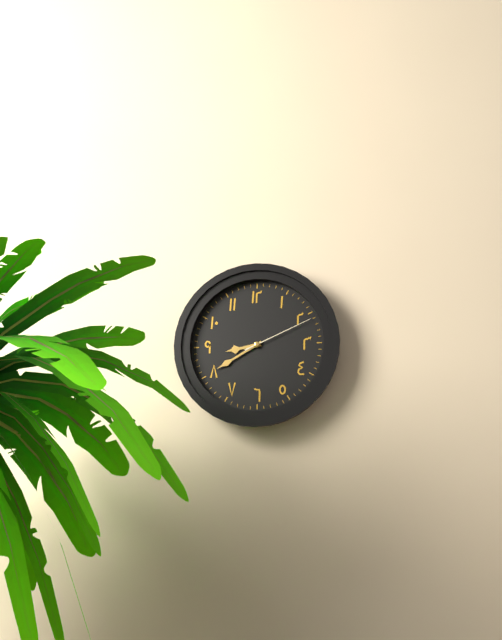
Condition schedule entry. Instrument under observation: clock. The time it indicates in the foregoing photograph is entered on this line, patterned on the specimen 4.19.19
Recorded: 8.40.11
